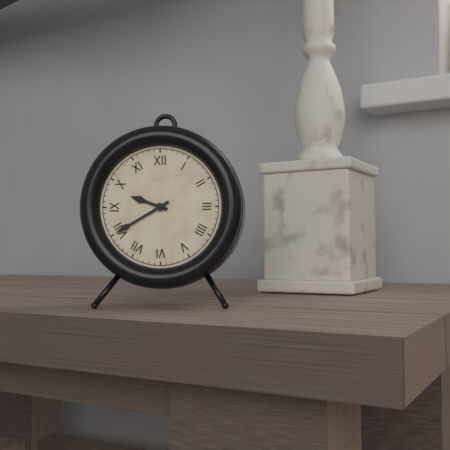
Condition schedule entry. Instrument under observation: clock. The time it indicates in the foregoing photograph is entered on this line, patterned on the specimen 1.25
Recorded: 9.40
